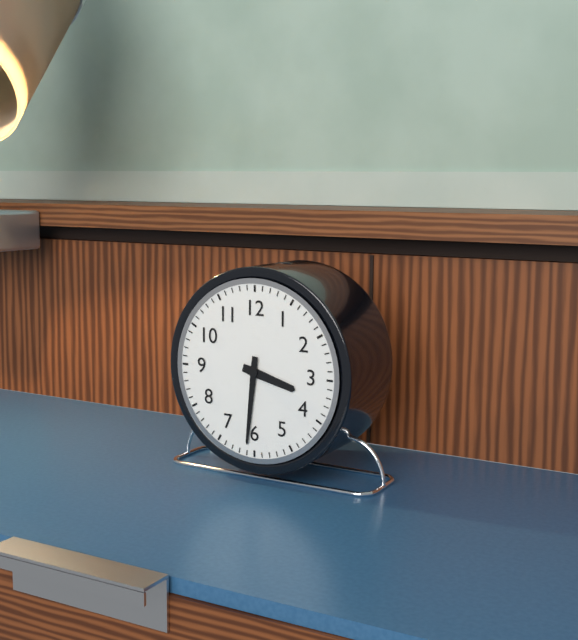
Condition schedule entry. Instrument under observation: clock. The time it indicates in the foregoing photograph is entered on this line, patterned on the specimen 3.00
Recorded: 3.31
